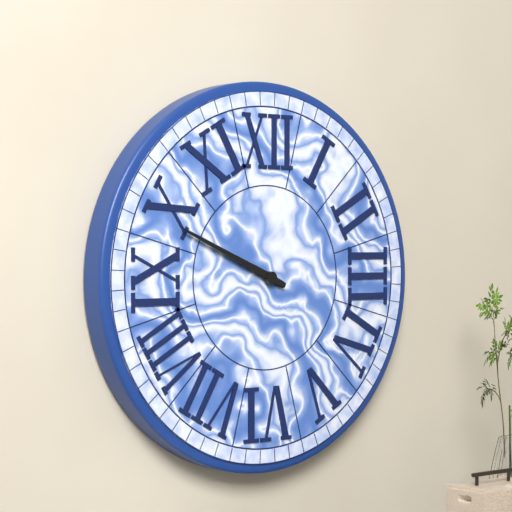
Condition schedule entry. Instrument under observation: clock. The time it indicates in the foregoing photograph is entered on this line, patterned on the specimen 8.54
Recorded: 9.49
